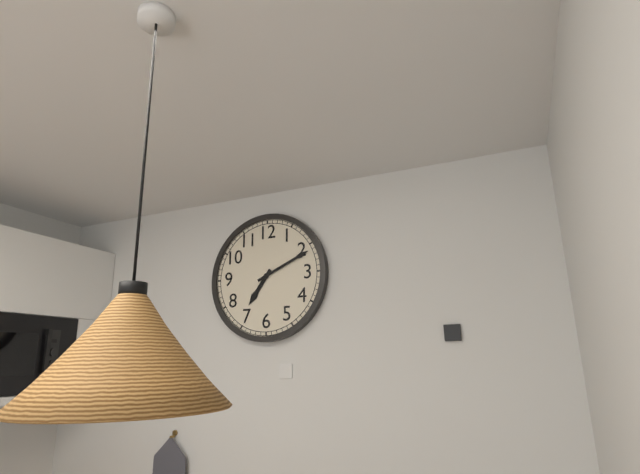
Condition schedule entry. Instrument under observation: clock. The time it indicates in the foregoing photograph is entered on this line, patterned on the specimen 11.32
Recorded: 7.11
